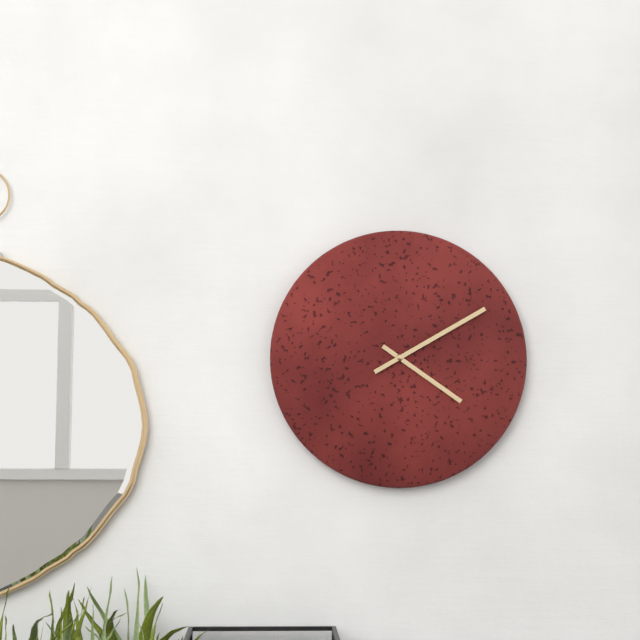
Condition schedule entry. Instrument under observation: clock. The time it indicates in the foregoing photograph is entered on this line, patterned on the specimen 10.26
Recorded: 4.10
